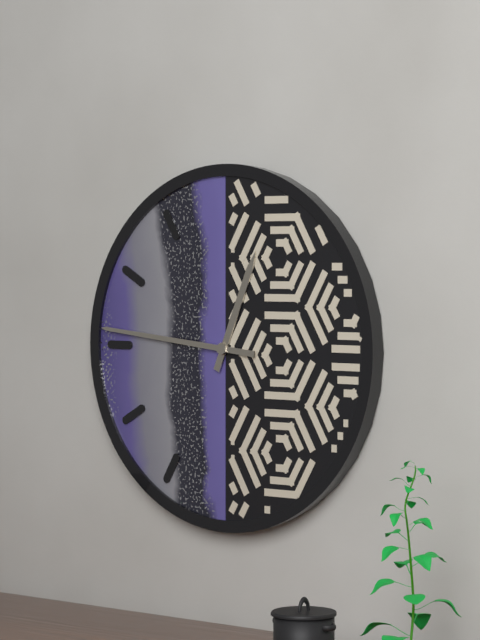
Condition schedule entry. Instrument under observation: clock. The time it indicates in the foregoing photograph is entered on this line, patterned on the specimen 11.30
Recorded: 12.46
